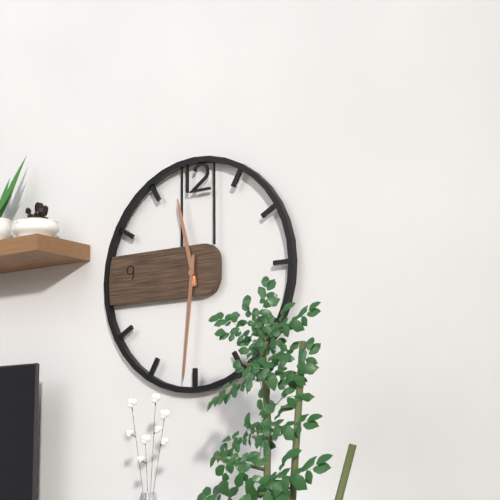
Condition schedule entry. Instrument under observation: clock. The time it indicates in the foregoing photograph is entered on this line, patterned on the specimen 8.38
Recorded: 11.31
